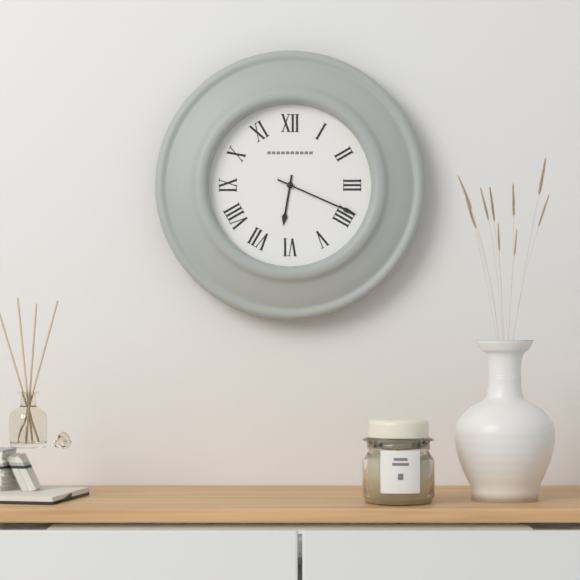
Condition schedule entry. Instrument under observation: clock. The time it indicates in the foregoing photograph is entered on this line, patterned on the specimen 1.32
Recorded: 6.19
